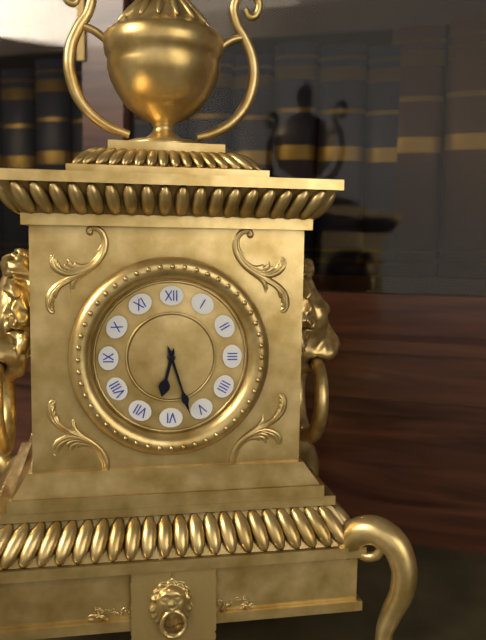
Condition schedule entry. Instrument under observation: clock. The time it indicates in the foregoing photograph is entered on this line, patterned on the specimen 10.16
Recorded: 6.27
